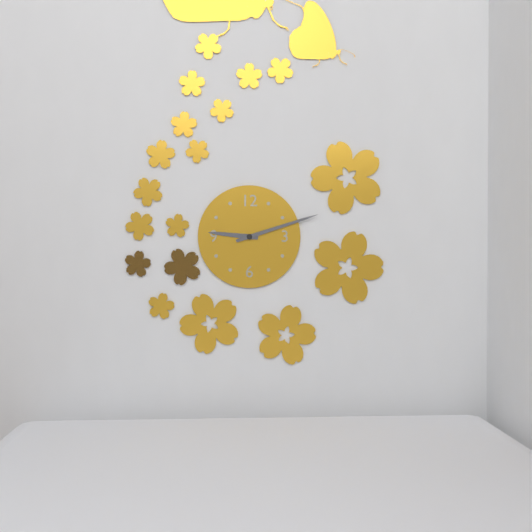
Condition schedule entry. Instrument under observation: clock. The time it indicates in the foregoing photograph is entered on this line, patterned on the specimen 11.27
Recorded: 9.12
